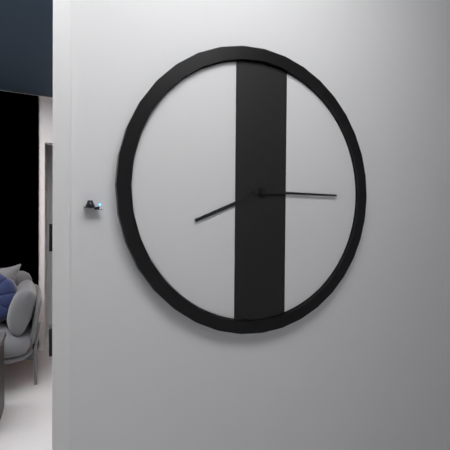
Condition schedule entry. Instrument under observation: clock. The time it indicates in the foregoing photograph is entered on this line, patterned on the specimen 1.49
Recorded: 8.15
